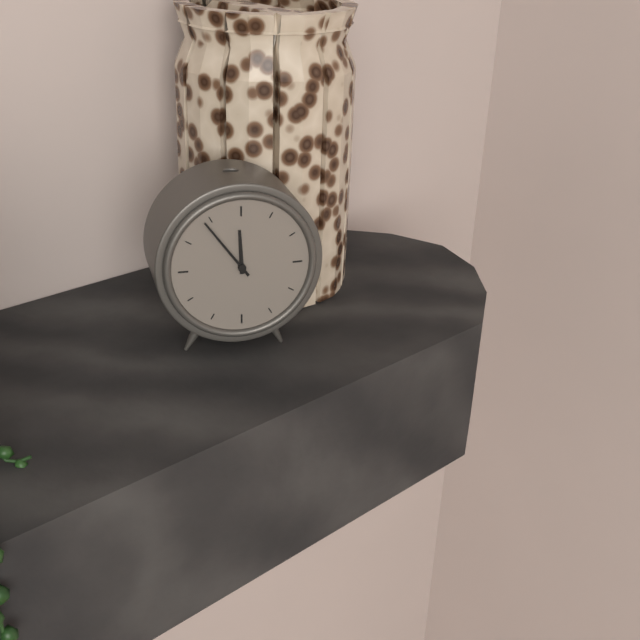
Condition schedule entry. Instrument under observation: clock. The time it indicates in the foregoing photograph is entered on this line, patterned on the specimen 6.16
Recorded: 11.54
